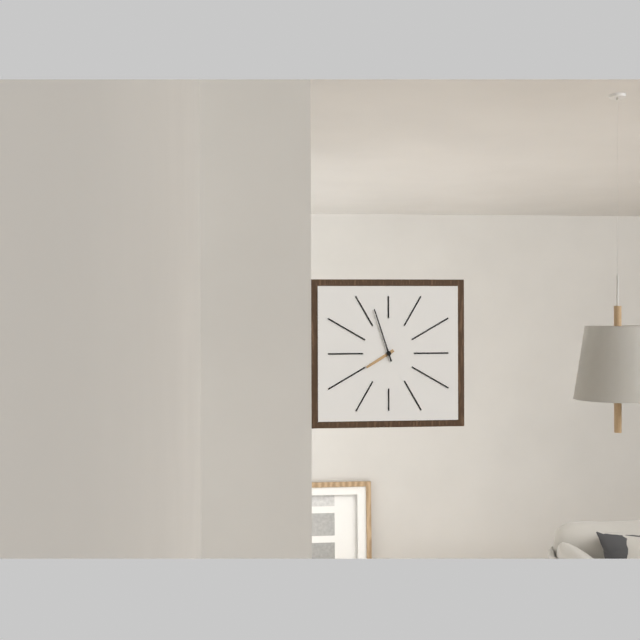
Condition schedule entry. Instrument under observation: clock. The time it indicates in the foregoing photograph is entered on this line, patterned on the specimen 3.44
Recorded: 7.57
